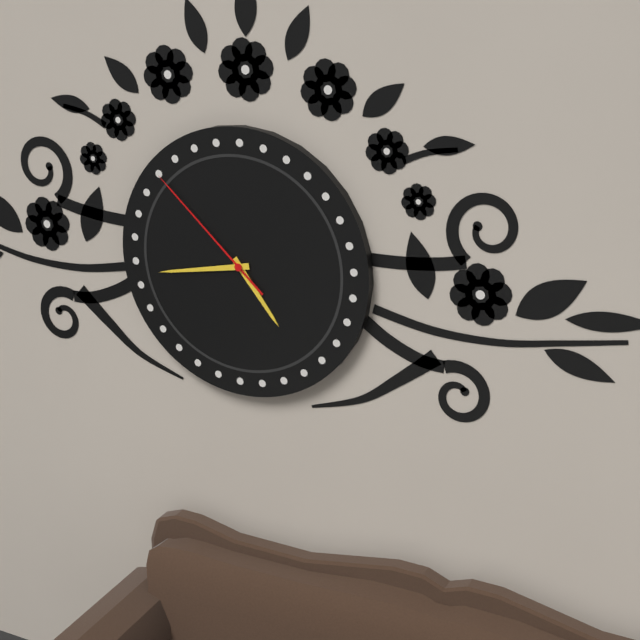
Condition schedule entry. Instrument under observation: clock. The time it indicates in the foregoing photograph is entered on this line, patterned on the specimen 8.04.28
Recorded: 4.43.52
